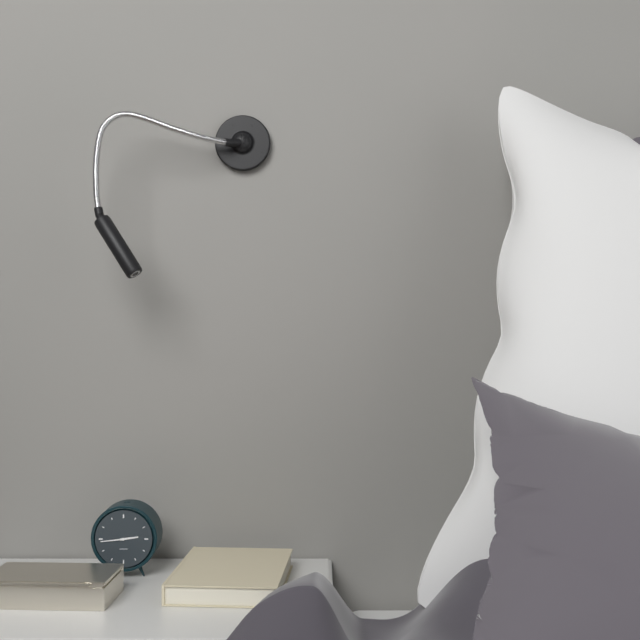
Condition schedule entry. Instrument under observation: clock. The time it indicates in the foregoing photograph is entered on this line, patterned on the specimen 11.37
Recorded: 2.44
